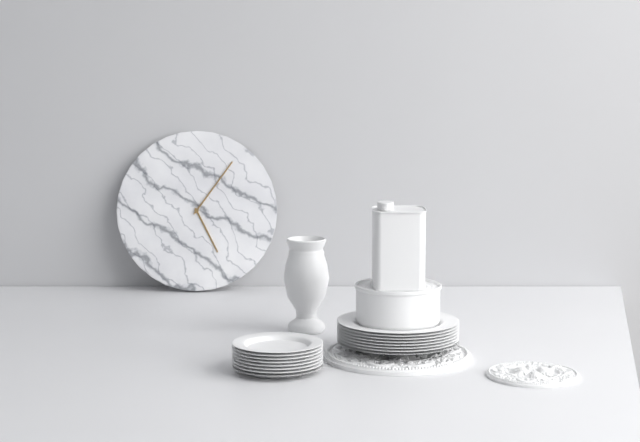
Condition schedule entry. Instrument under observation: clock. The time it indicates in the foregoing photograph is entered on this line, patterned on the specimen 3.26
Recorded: 5.06
